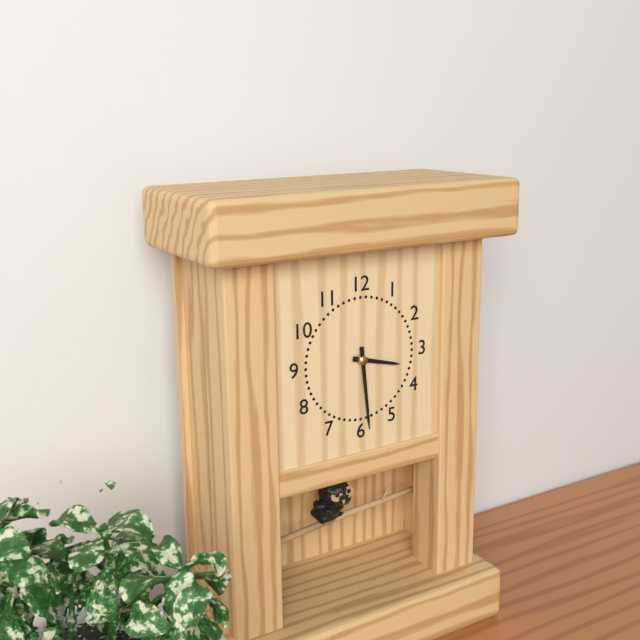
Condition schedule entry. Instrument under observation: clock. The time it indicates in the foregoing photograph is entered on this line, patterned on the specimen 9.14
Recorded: 3.29
